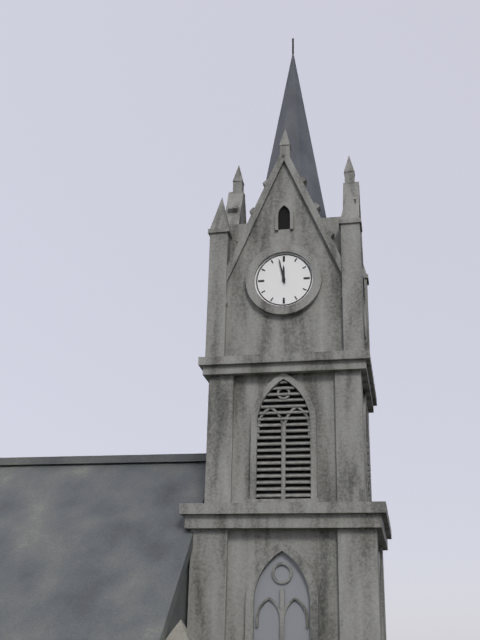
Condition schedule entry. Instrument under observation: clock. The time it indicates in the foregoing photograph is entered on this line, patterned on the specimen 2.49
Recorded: 11.58
